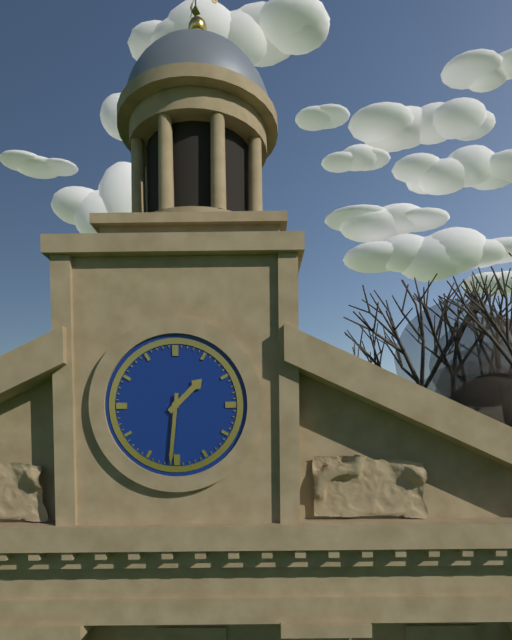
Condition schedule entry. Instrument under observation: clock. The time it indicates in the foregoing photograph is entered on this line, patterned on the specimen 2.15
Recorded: 1.31
